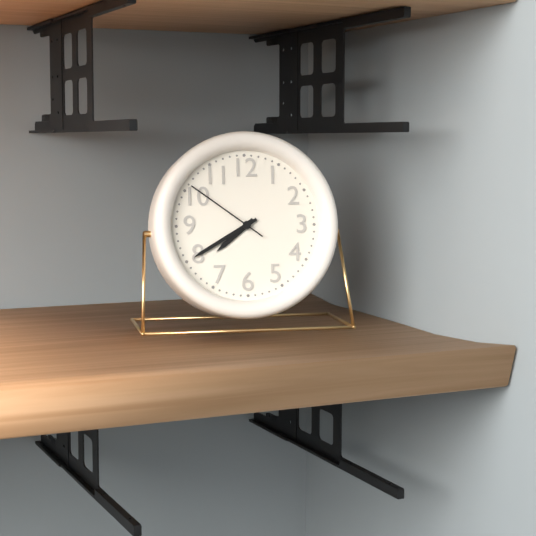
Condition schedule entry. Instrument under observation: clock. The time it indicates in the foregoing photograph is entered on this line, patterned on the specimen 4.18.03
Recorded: 7.40.51
